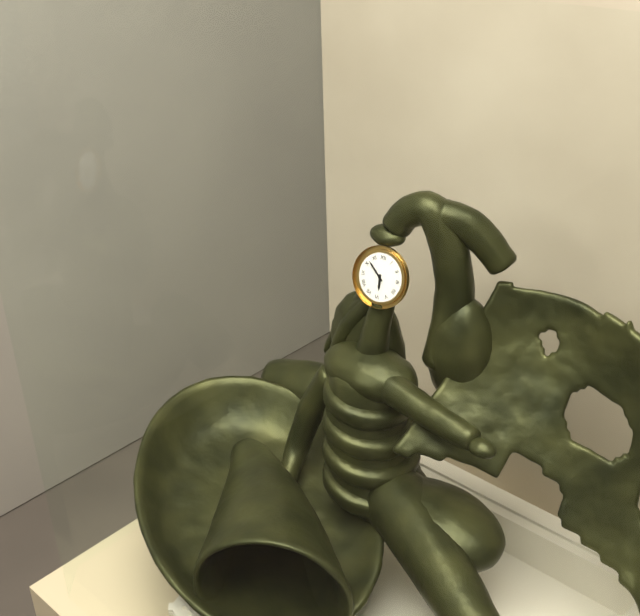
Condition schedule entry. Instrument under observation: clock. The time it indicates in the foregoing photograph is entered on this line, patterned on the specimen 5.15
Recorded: 5.52
